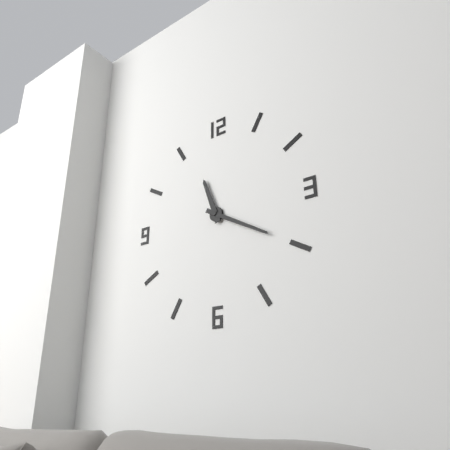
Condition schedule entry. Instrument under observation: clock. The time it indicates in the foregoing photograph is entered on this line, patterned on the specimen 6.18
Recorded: 11.20
